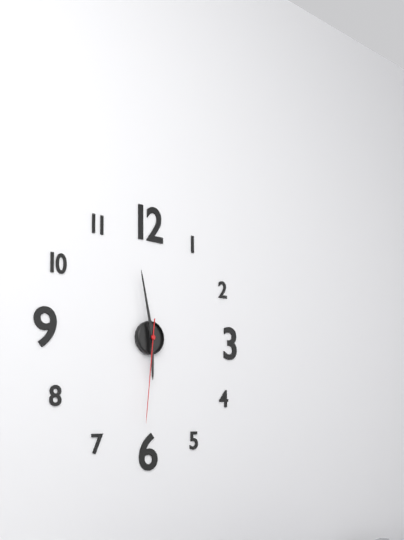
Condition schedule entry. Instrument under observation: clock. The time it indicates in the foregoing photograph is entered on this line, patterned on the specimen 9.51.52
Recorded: 5.58.31
